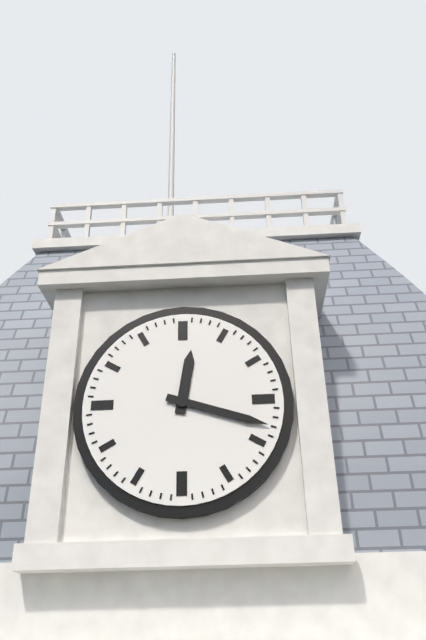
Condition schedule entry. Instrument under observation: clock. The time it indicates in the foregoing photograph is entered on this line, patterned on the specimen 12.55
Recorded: 12.18
